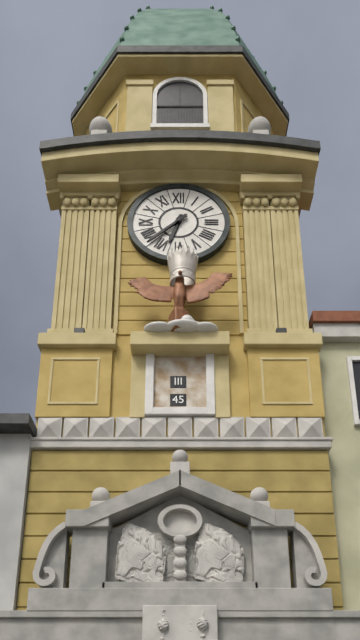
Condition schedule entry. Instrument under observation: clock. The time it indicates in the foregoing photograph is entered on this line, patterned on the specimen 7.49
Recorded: 6.38
